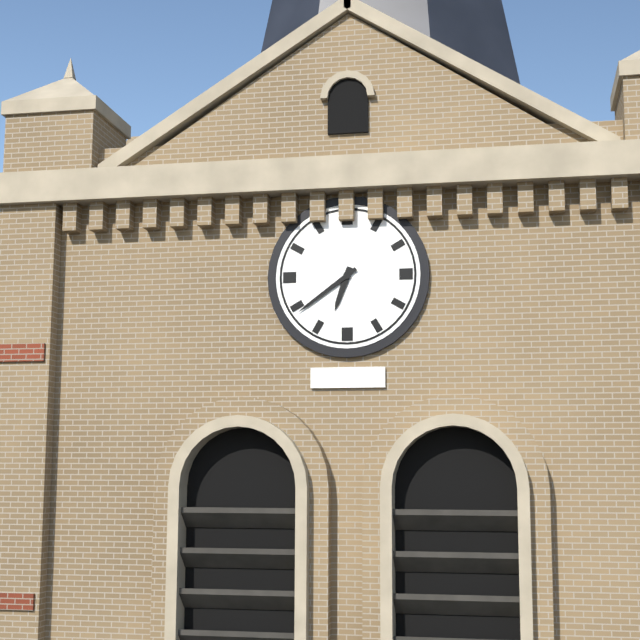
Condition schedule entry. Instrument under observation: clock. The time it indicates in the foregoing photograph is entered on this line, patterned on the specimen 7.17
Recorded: 6.39
